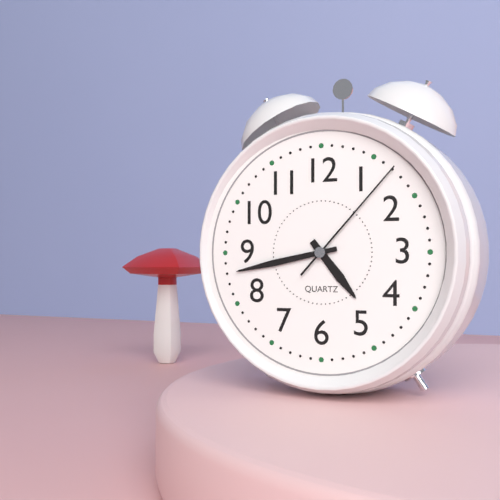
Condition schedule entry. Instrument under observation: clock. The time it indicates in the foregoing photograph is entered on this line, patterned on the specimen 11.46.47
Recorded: 4.43.07
